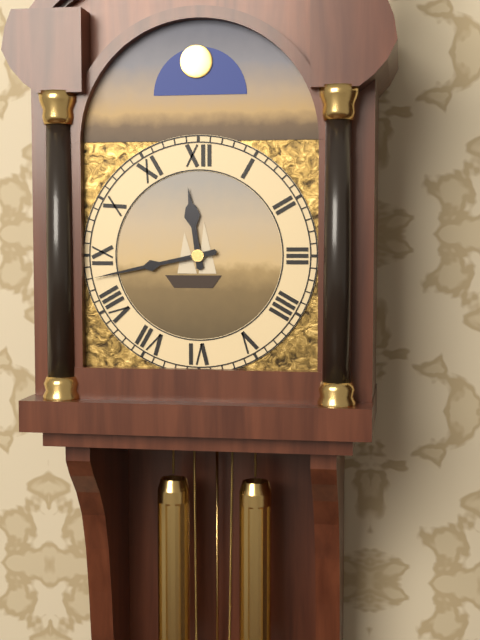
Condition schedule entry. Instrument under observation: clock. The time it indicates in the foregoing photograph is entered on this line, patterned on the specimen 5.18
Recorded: 11.43
